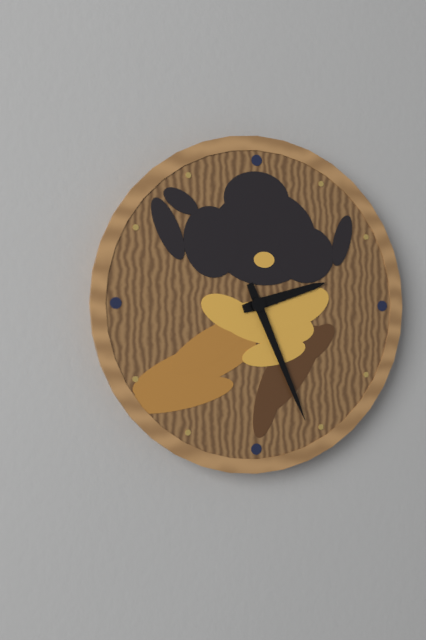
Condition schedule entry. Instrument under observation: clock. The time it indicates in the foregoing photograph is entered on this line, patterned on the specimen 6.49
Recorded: 2.26
